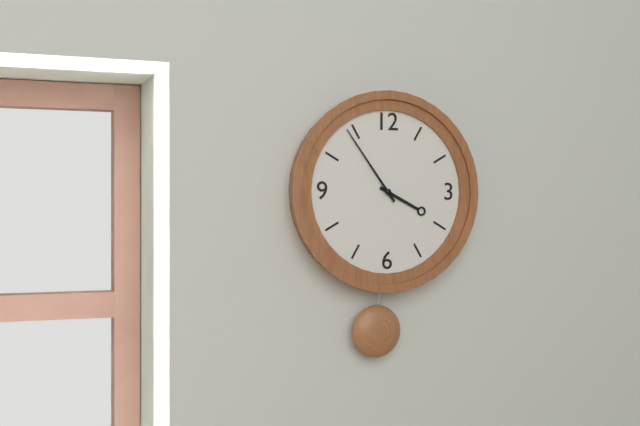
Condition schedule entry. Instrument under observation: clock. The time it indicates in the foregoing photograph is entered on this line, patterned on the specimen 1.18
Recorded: 3.54
